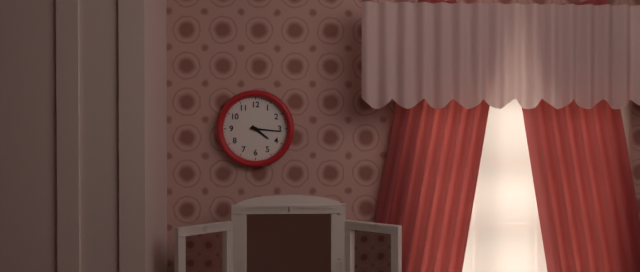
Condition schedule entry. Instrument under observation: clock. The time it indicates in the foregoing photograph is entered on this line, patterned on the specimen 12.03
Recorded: 4.16
